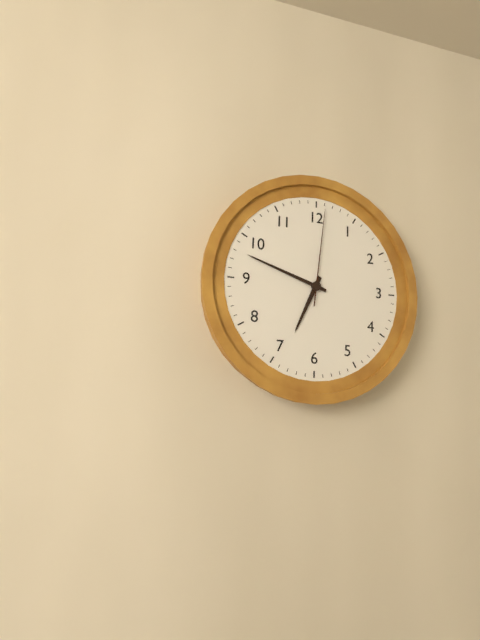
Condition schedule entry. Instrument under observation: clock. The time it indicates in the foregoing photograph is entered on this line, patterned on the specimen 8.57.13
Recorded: 6.48.01
